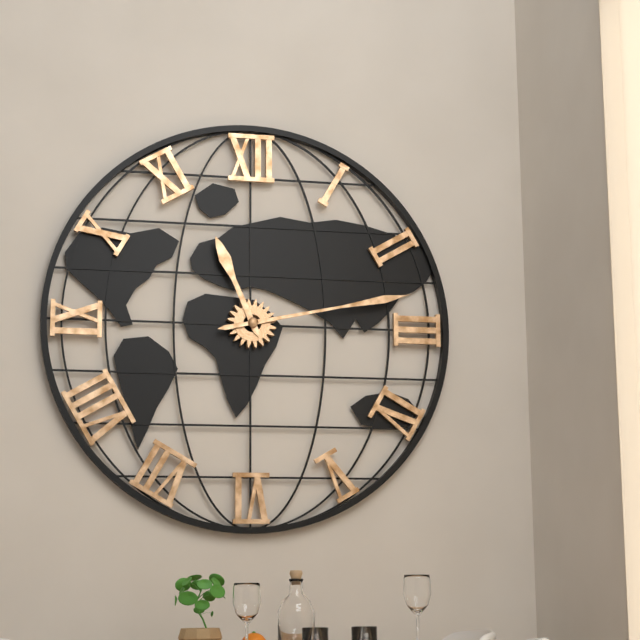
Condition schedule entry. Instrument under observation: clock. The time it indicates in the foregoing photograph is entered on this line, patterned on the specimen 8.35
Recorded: 11.13
